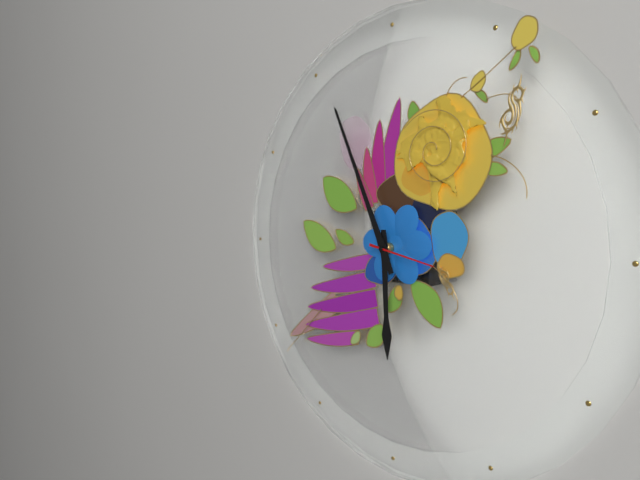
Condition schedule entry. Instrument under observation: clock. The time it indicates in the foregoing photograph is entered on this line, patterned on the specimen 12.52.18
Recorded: 5.56.17
